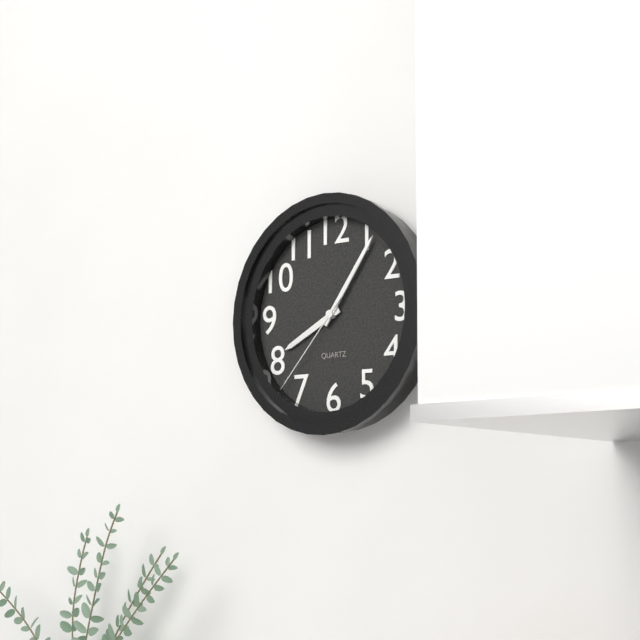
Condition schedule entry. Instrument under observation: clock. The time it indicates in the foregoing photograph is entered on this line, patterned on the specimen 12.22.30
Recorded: 8.06.37
